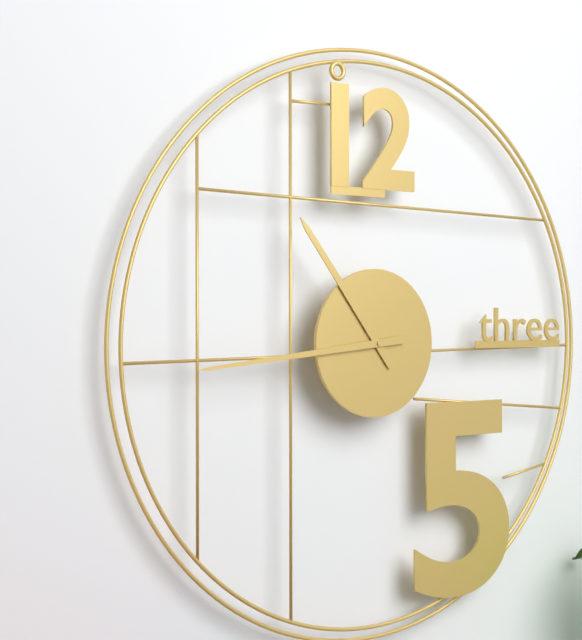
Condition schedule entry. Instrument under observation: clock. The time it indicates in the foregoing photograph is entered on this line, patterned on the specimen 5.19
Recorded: 10.44
